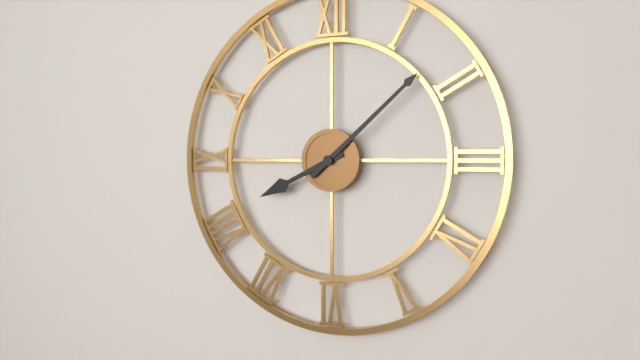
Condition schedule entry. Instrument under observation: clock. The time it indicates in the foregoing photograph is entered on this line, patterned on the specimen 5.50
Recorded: 8.08
